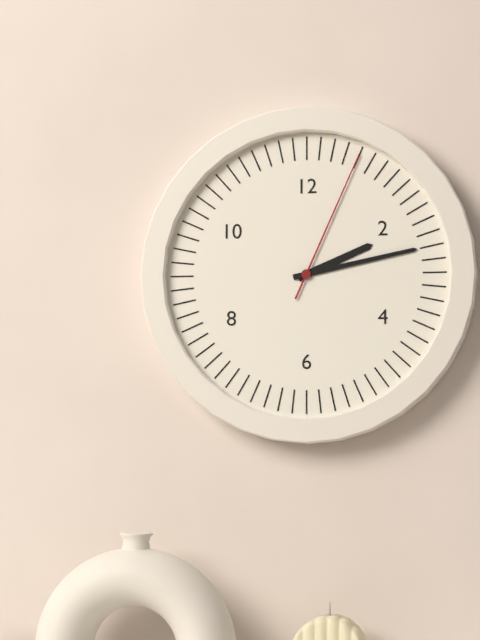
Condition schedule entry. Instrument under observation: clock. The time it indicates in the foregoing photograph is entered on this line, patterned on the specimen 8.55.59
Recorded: 2.13.04
